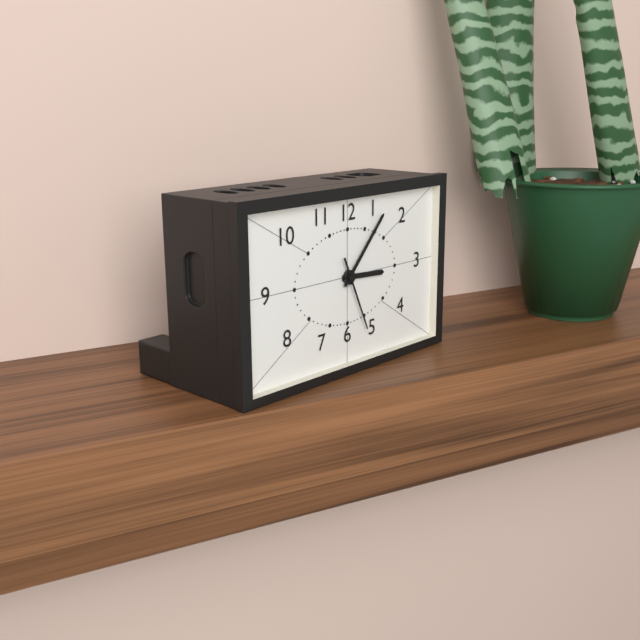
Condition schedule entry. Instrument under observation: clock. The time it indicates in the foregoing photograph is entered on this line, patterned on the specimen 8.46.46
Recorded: 3.07.26
